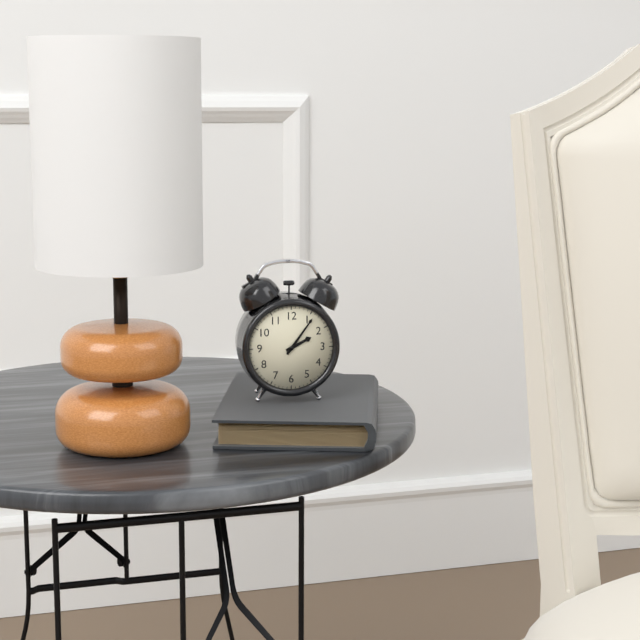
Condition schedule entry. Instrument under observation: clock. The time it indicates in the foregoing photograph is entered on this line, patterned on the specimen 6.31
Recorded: 2.06
